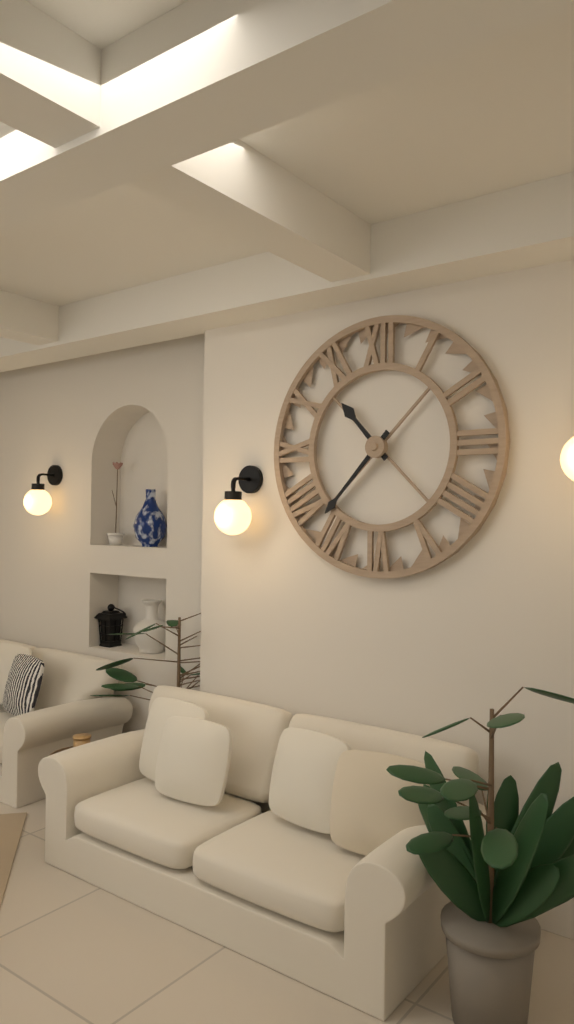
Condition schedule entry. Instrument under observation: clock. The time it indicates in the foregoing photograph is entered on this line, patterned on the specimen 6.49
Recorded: 10.37
